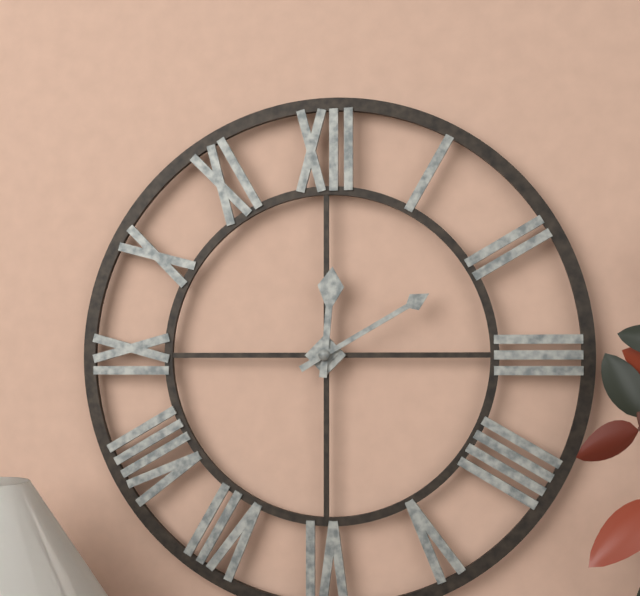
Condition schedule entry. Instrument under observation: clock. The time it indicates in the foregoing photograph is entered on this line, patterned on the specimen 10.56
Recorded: 12.10
